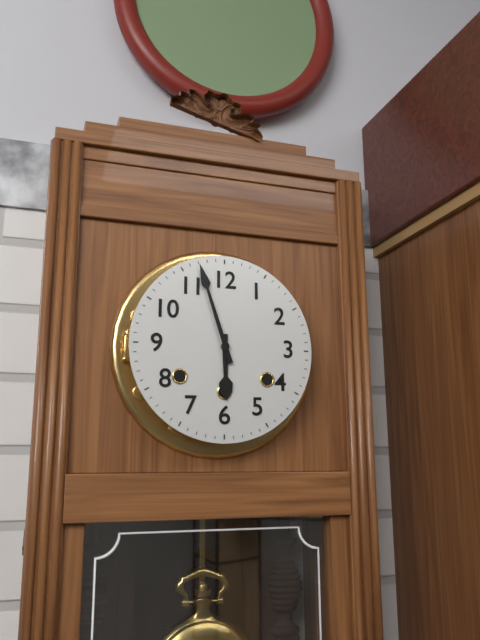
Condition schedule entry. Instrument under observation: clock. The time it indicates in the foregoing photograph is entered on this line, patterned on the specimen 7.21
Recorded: 5.57
